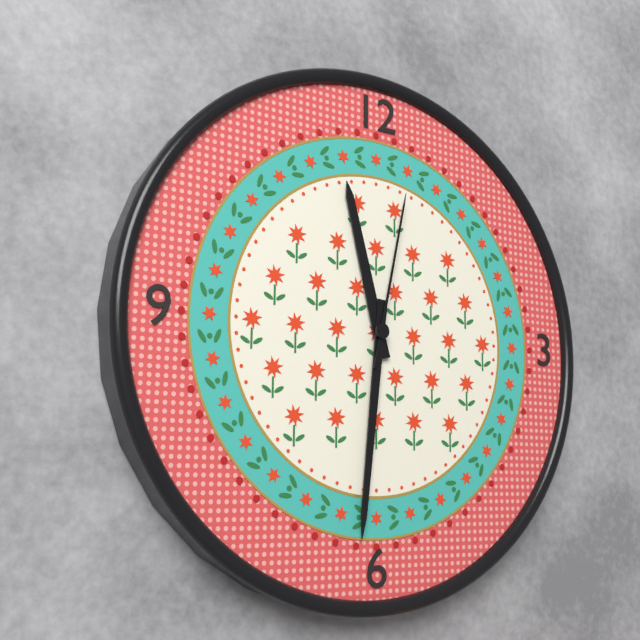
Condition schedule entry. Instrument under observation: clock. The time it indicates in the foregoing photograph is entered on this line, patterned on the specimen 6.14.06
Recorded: 11.31.02
